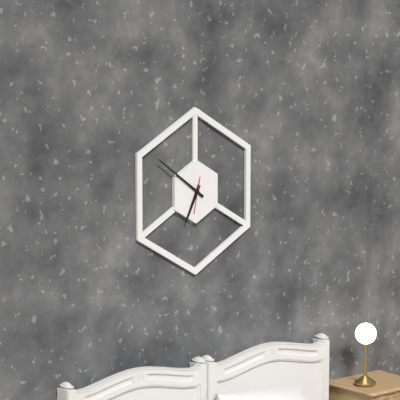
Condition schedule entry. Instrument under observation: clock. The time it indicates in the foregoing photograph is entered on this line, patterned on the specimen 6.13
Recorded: 6.51
